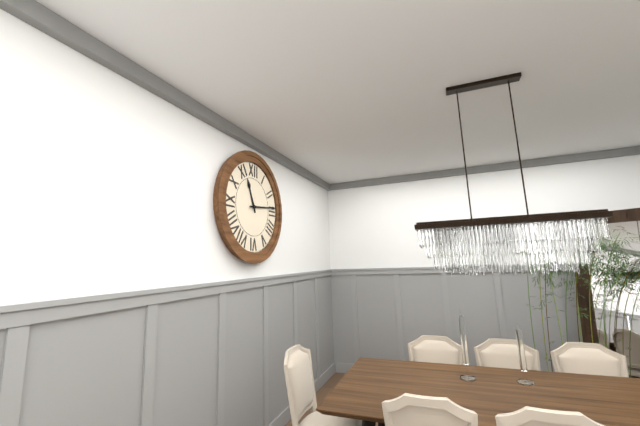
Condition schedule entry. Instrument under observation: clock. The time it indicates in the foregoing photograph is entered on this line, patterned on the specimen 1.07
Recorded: 11.14
